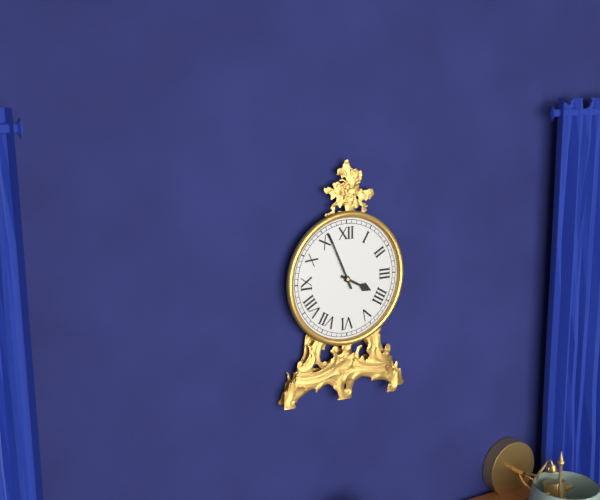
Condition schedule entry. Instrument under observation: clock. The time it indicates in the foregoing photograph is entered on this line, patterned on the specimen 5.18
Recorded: 3.56
